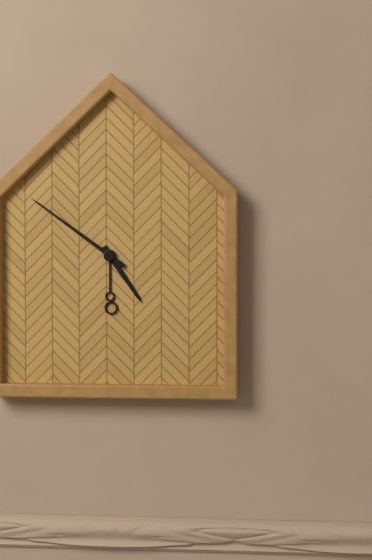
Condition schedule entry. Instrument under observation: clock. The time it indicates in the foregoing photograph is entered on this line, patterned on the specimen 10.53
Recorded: 4.51
